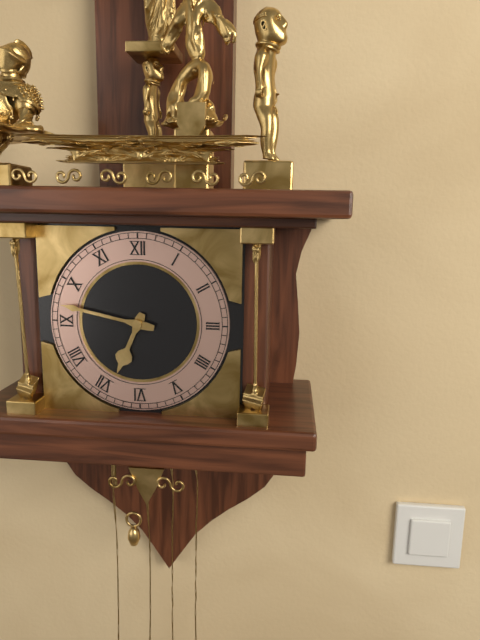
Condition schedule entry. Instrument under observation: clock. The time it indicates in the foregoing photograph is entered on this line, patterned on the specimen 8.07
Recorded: 6.47
